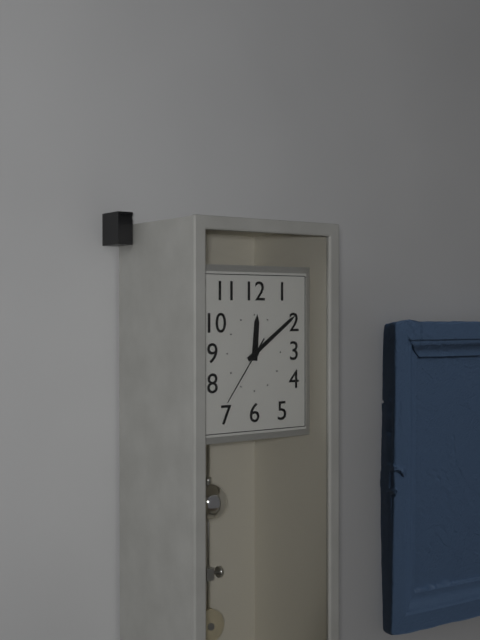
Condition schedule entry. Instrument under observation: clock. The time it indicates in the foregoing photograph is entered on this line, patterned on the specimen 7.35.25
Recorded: 12.09.36
